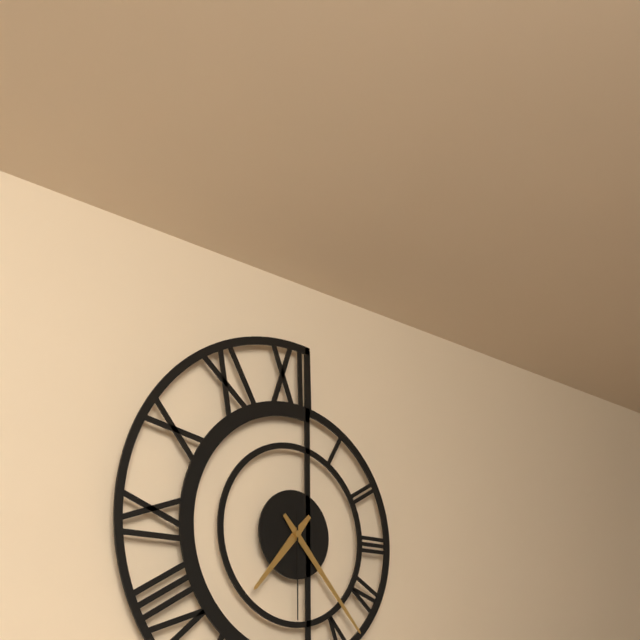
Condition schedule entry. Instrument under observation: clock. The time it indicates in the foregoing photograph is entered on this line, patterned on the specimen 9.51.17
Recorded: 7.23.30
